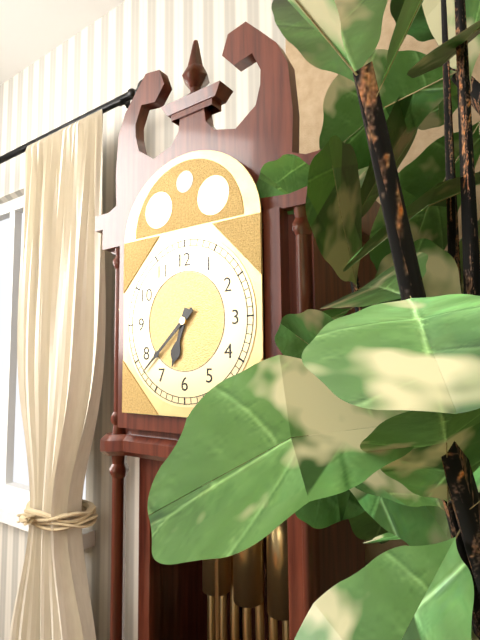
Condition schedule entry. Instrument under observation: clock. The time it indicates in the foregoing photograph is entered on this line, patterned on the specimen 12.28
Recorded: 6.38
